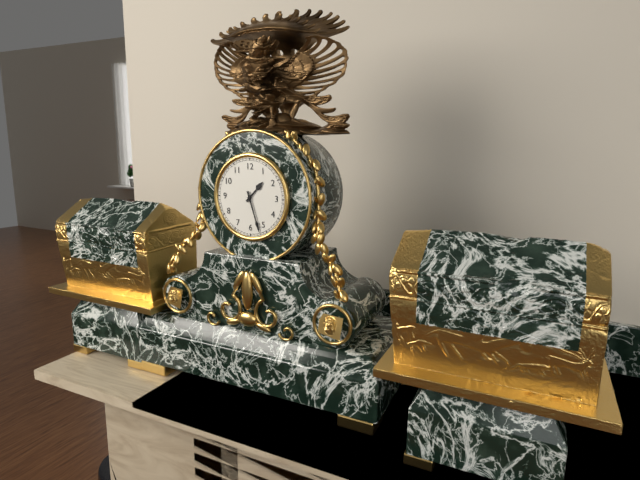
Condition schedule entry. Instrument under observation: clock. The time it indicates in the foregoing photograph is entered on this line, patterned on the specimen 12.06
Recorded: 1.27
